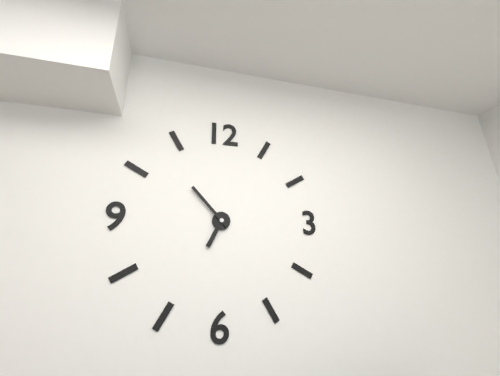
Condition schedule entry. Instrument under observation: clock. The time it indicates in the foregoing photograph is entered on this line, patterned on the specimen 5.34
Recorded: 6.53
